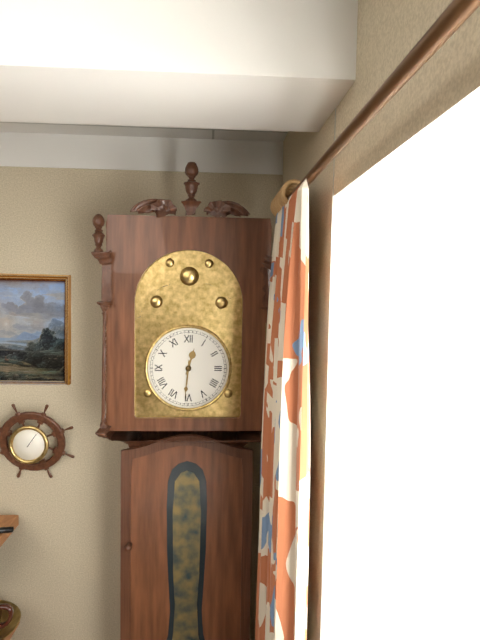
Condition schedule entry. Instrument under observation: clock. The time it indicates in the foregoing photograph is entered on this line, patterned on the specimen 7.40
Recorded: 12.31
